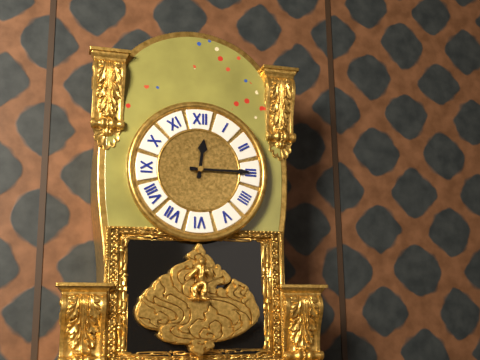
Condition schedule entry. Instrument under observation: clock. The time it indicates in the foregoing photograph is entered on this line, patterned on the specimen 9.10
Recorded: 12.15
